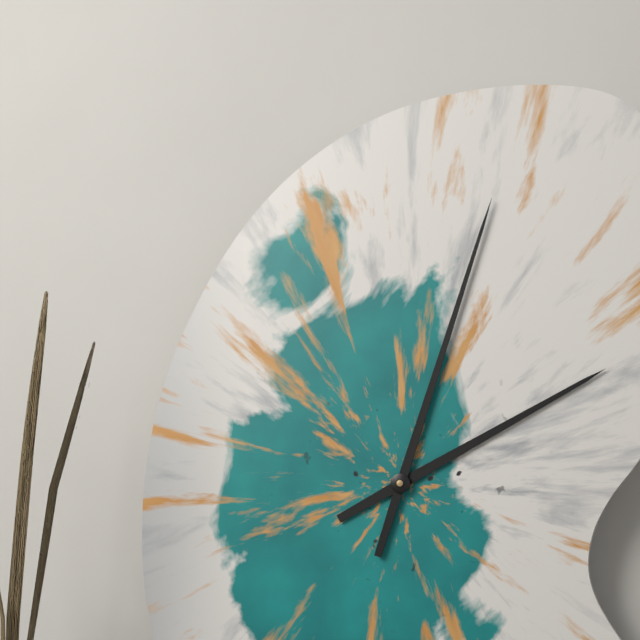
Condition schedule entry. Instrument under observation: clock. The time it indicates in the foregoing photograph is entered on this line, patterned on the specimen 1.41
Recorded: 2.03
